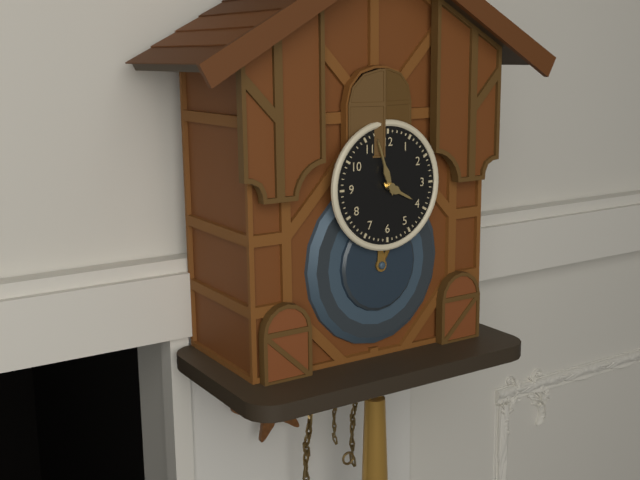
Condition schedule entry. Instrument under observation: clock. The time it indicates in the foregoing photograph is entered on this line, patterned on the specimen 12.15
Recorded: 3.57
